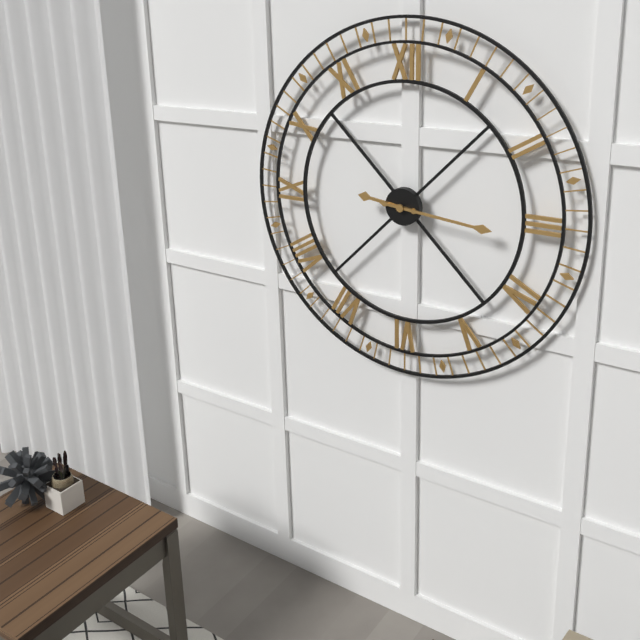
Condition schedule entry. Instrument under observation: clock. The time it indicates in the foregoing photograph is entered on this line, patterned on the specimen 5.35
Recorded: 9.16
